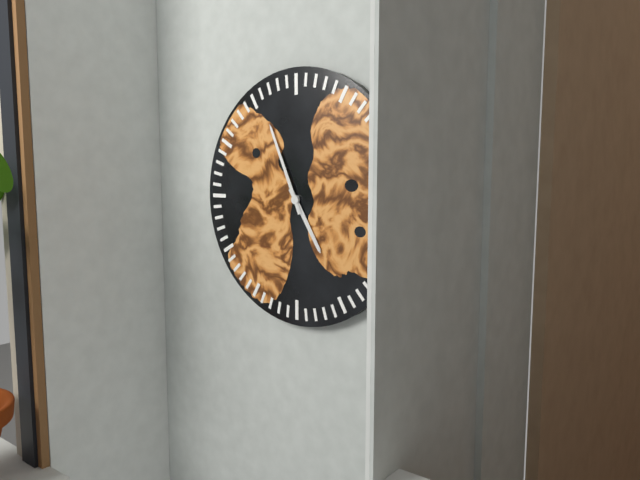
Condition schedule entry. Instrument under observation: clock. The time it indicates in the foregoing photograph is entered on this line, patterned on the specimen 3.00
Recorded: 4.56
